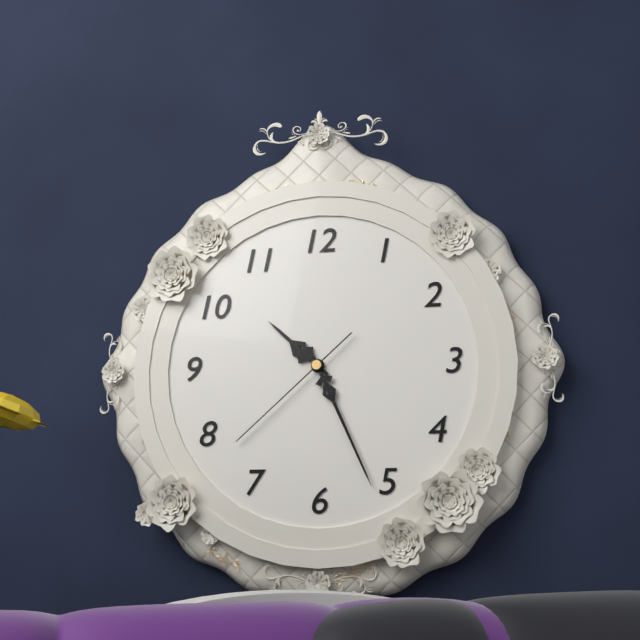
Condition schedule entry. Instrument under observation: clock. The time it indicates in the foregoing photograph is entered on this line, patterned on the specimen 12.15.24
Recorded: 10.26.38
